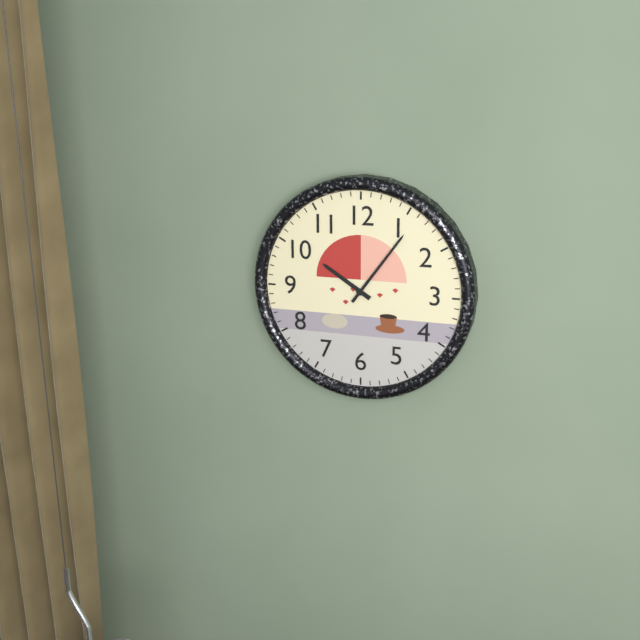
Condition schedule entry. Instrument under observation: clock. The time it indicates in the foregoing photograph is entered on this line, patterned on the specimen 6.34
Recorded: 10.06
